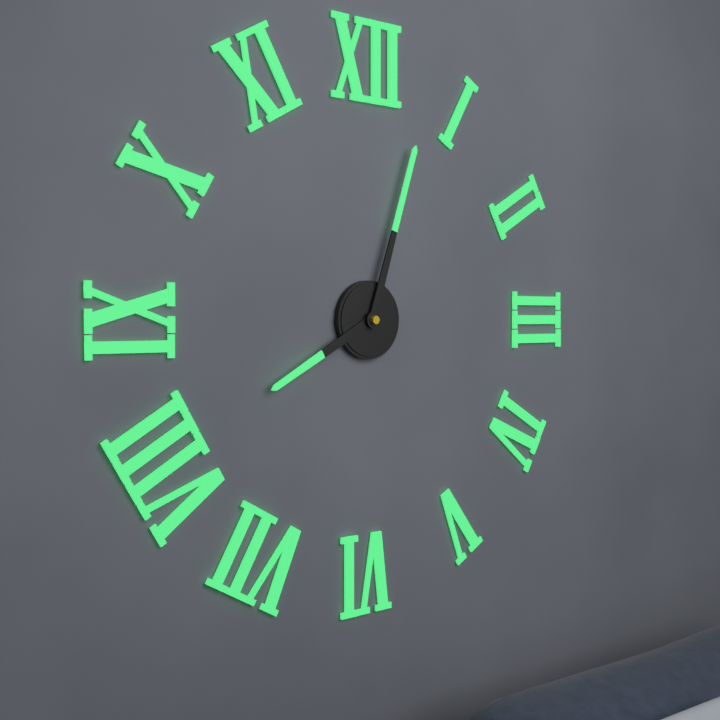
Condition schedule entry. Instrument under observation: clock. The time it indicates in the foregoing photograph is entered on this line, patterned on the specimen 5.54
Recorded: 8.03
